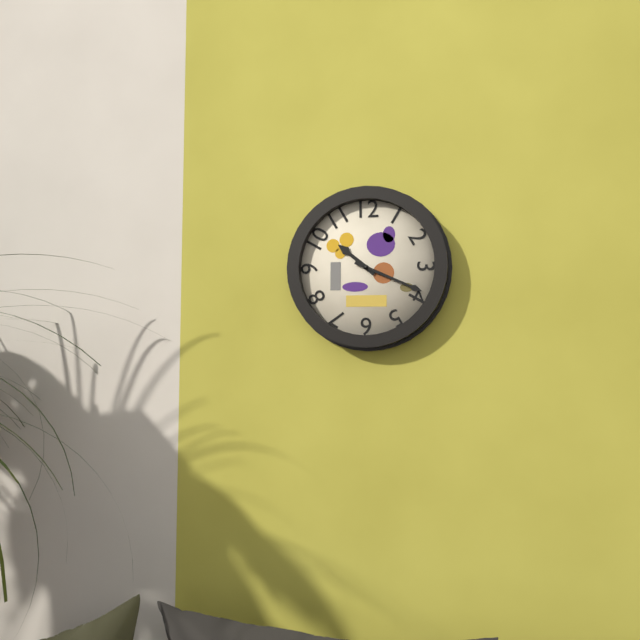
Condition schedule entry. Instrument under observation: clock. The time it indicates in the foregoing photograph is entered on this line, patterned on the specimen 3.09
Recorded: 10.19
